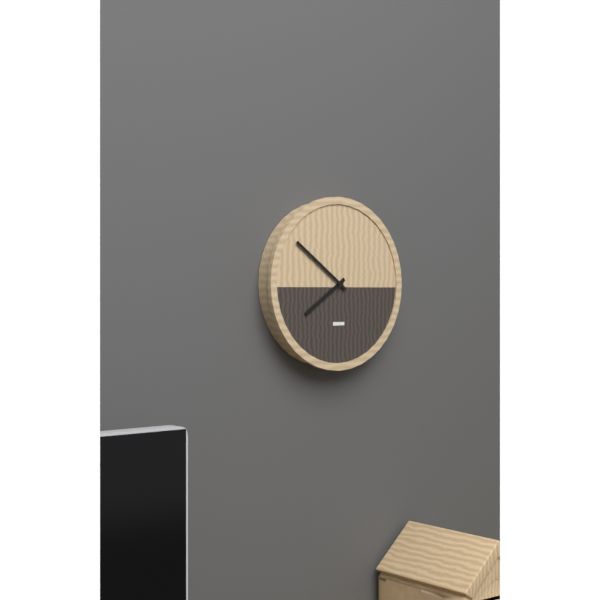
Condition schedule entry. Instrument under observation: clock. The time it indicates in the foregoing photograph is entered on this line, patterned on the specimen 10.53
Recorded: 7.51
